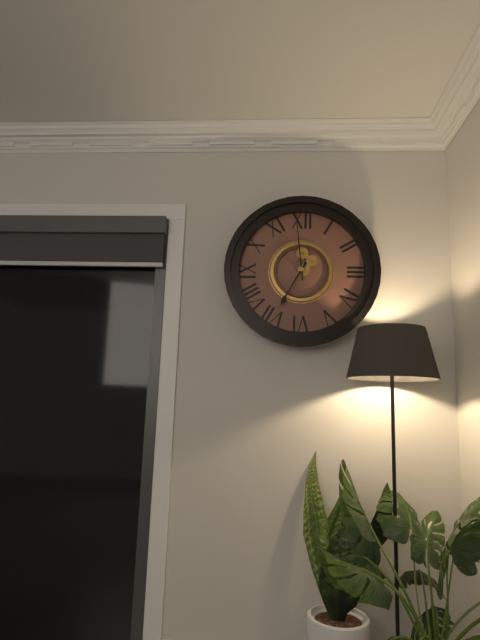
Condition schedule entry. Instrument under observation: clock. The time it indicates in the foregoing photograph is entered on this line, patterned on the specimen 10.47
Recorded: 6.59
